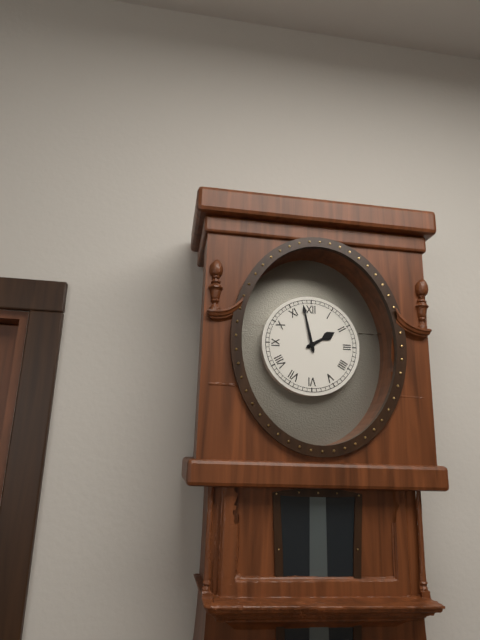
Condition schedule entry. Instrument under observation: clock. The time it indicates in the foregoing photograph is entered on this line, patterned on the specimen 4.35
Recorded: 1.58
